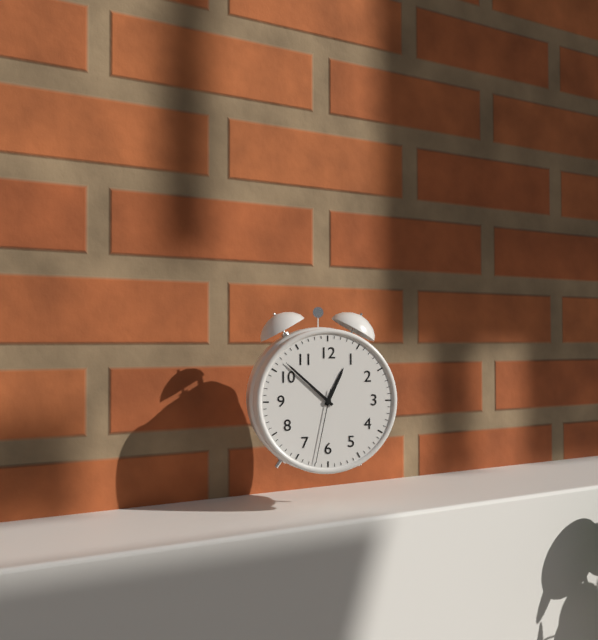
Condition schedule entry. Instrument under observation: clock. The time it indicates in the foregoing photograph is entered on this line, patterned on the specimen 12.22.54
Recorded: 12.52.32
